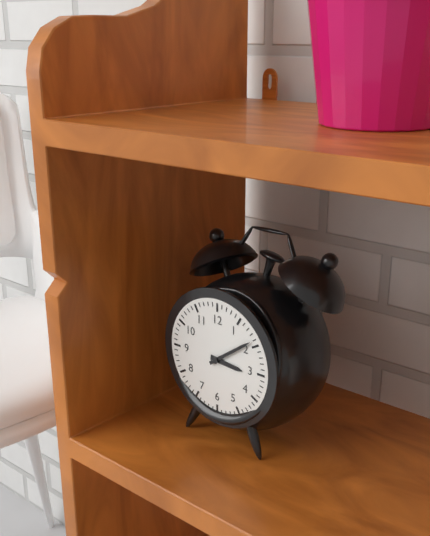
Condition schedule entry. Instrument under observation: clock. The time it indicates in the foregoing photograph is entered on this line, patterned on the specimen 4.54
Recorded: 3.09
